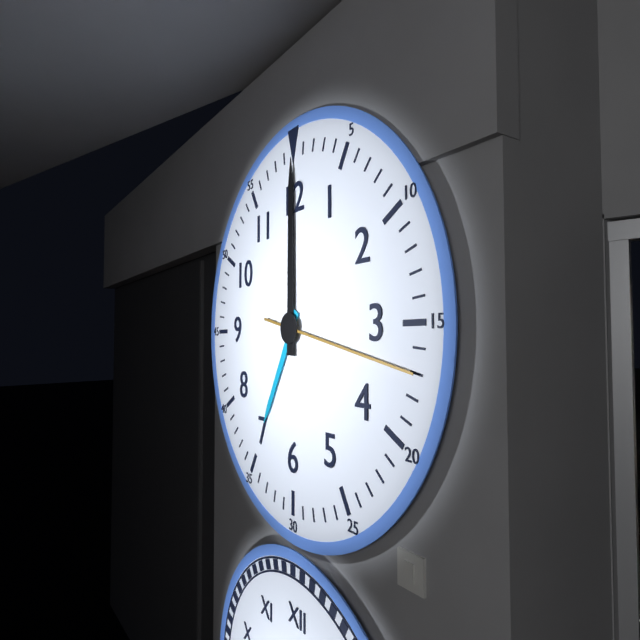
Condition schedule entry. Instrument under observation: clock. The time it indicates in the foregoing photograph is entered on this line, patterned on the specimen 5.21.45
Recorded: 7.00.17
